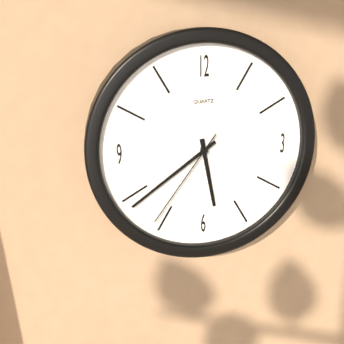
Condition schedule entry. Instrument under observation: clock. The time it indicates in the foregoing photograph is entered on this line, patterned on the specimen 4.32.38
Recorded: 5.39.36
